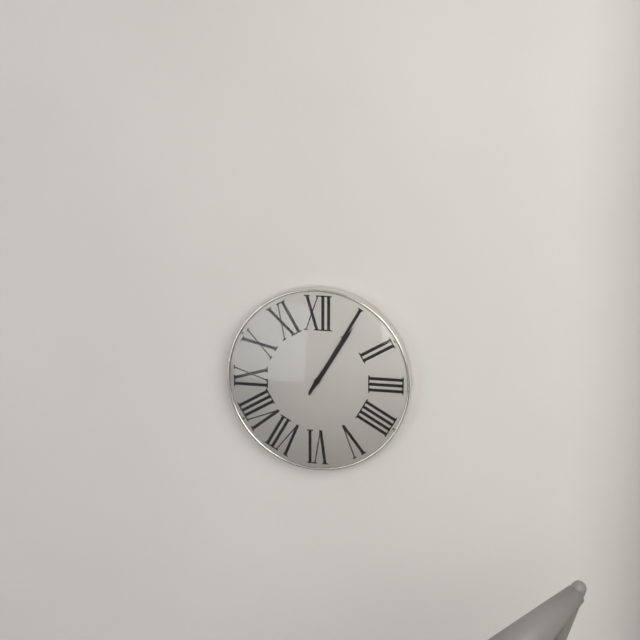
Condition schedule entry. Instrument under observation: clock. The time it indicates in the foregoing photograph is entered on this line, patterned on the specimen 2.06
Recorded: 1.05
